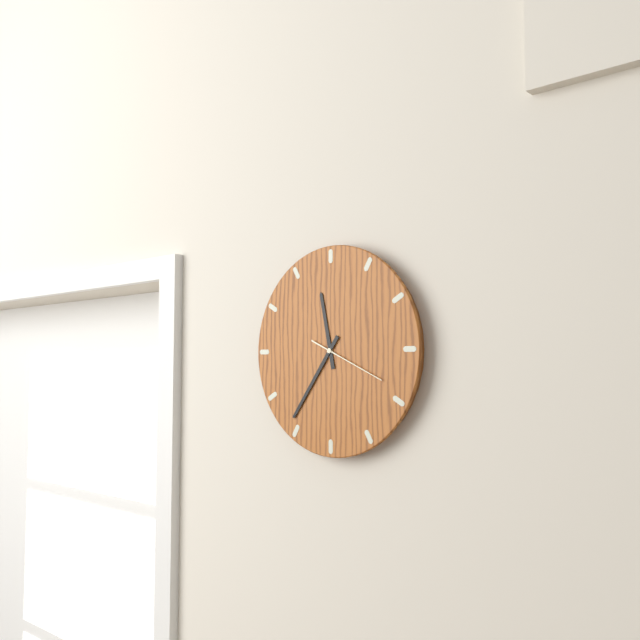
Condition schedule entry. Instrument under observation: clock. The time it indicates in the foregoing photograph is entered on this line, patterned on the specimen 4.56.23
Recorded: 11.36.19
